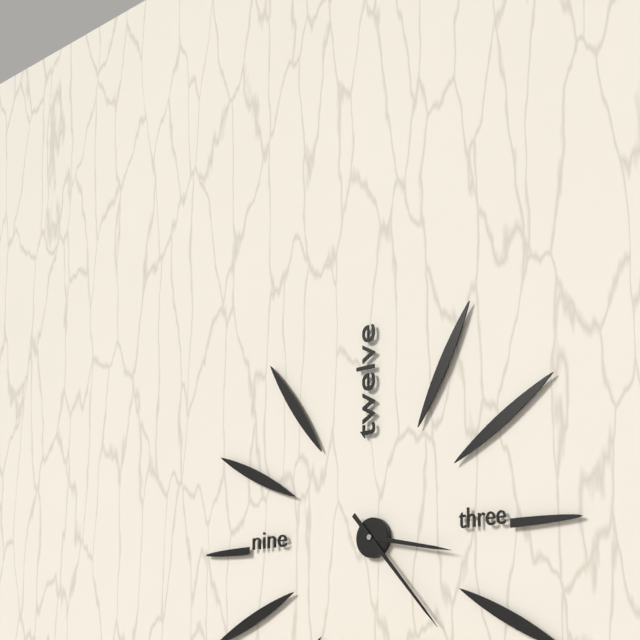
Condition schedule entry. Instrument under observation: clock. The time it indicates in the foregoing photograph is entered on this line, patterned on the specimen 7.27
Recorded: 3.23
